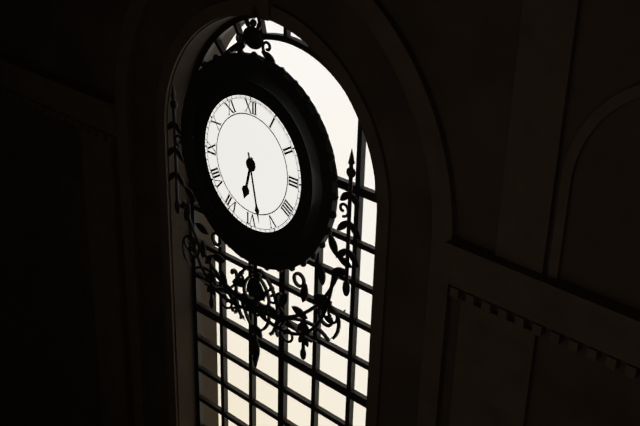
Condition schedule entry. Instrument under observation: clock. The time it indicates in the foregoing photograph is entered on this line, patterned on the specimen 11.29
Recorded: 6.28
